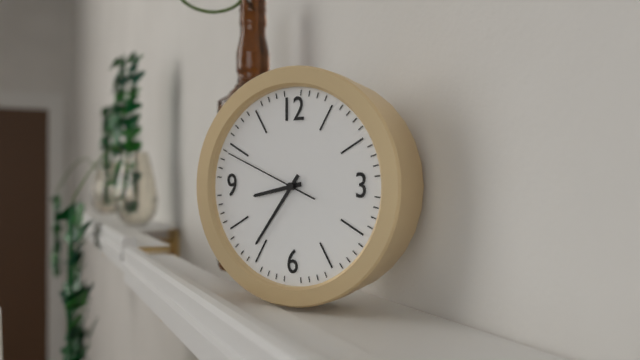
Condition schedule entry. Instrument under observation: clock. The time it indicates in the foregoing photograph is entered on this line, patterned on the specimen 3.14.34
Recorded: 8.36.49
